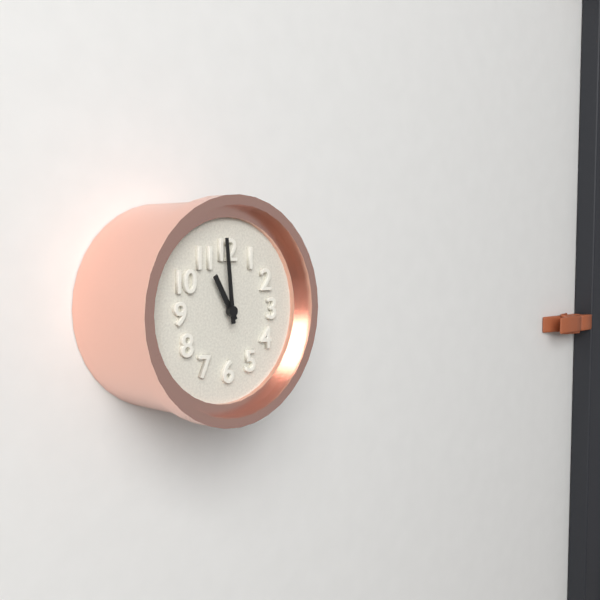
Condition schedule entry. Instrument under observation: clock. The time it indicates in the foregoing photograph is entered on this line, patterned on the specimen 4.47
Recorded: 10.59
